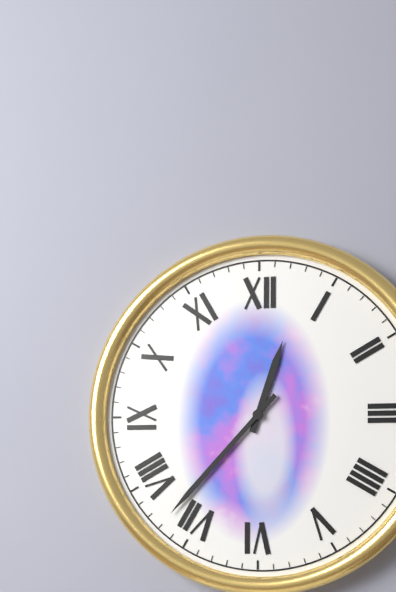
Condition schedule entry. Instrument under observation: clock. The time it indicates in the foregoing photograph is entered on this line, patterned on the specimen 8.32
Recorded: 12.37
